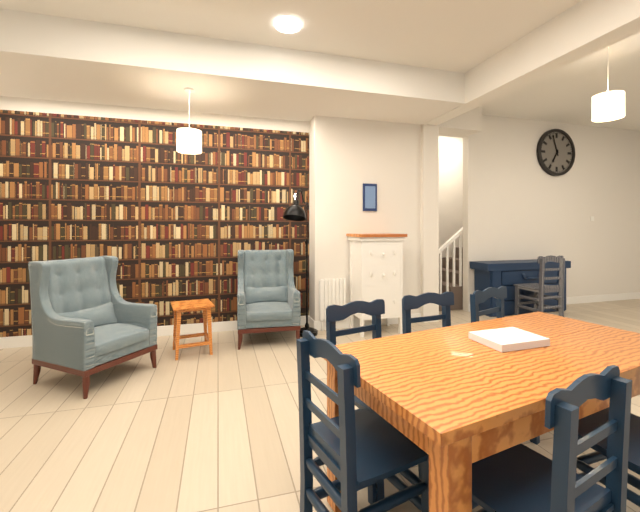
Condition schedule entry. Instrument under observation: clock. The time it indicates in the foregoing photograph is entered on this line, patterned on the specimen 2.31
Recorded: 6.57
